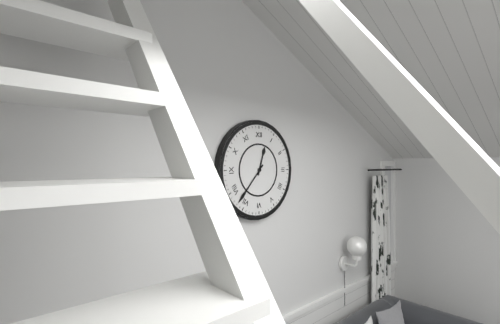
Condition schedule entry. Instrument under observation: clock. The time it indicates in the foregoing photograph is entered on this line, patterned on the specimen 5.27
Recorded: 12.37
